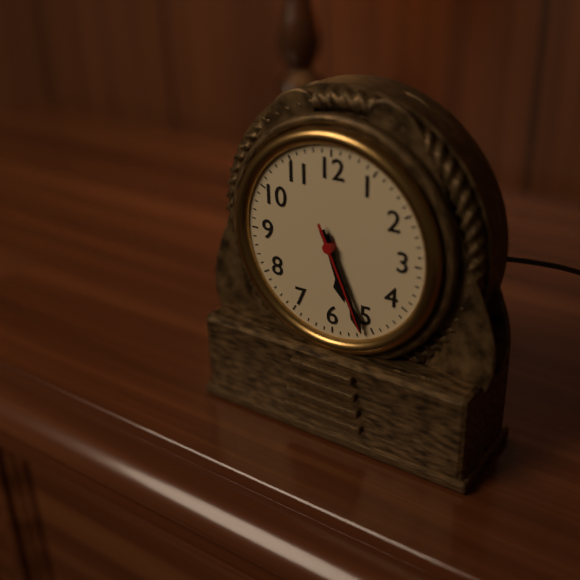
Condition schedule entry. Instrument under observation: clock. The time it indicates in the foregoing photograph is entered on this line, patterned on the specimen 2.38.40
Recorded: 5.26.26
